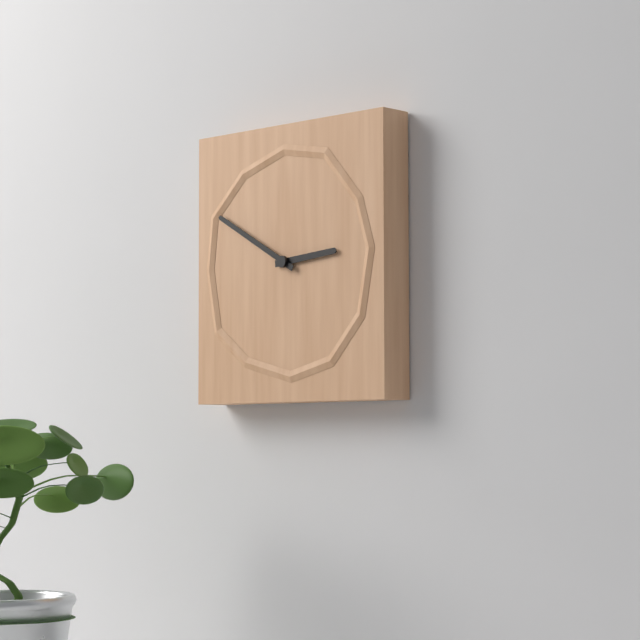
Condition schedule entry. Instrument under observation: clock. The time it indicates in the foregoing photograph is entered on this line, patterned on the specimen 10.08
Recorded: 2.50
